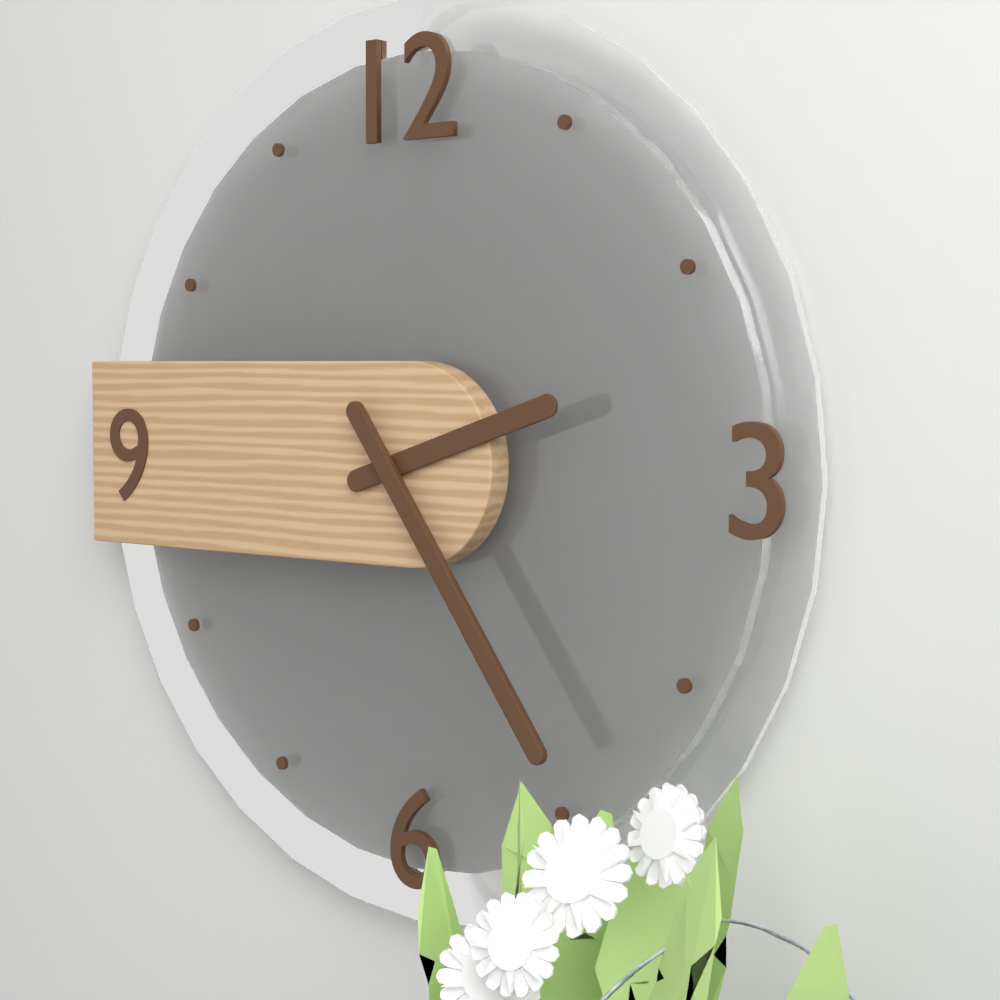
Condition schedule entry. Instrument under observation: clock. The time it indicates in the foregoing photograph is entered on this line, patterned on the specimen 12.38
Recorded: 2.24
